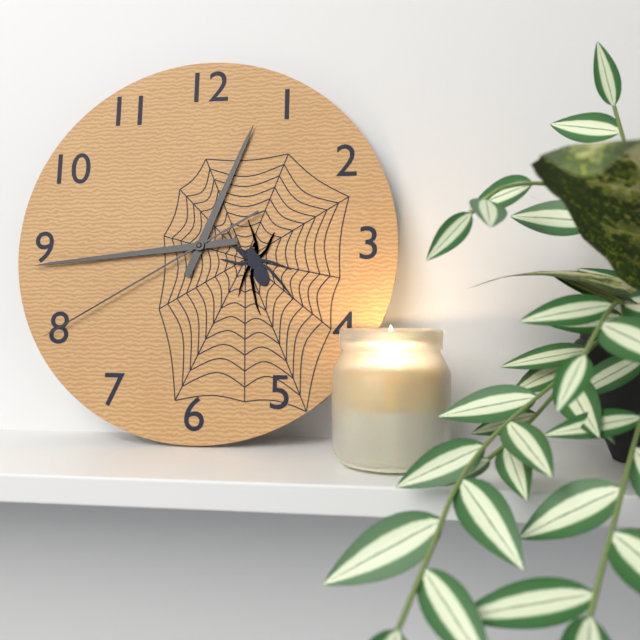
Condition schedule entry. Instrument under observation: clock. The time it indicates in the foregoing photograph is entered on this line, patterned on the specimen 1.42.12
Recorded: 12.44.40
